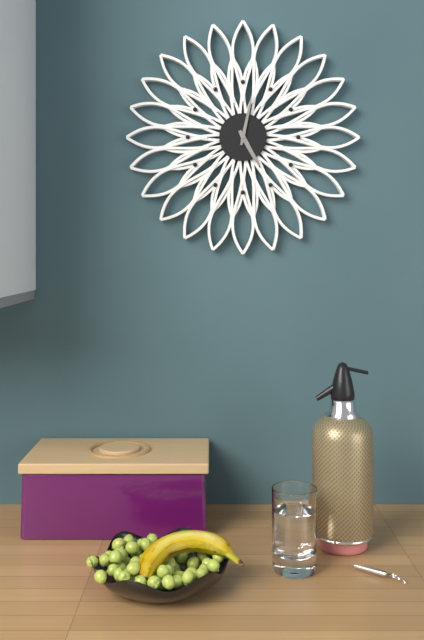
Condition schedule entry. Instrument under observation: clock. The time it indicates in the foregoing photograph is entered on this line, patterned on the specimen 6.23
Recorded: 5.02
